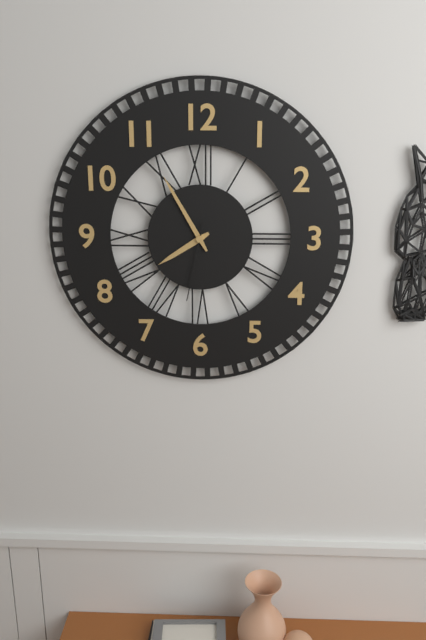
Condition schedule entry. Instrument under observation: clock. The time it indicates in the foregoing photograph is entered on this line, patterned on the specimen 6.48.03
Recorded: 7.55.32
